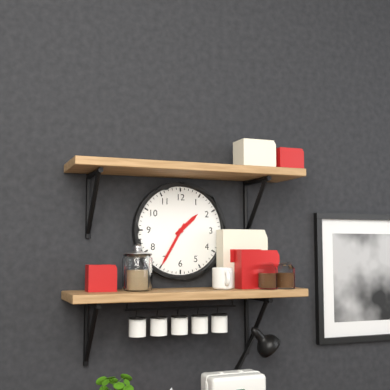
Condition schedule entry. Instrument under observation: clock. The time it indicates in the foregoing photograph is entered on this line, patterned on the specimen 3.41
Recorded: 1.35
